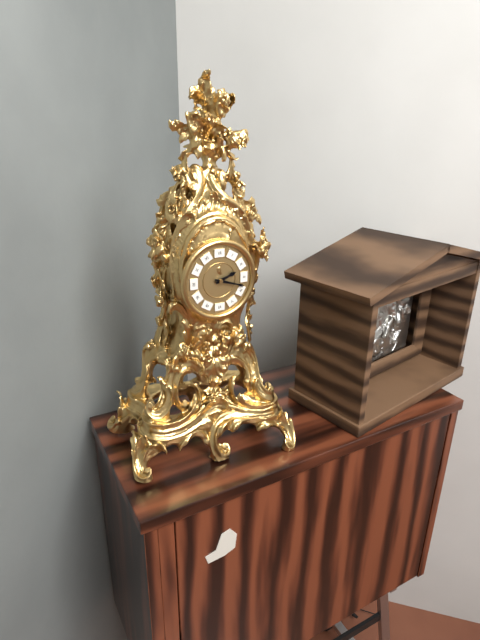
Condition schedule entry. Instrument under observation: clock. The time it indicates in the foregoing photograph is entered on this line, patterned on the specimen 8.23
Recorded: 2.18
